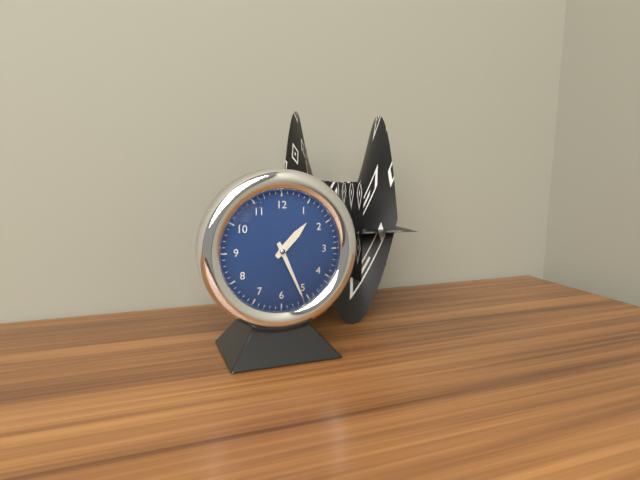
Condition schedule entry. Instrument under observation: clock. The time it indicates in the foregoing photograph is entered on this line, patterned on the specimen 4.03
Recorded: 1.26
